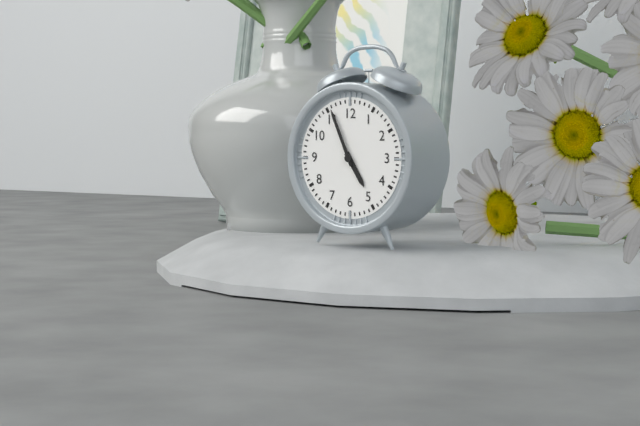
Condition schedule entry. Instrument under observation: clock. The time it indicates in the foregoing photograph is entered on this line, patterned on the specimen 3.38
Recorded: 4.56
